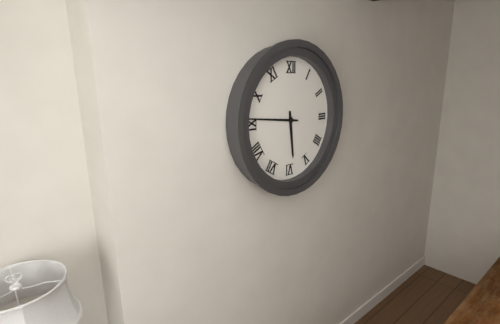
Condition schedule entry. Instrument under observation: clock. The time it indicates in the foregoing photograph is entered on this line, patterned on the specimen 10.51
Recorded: 5.46
